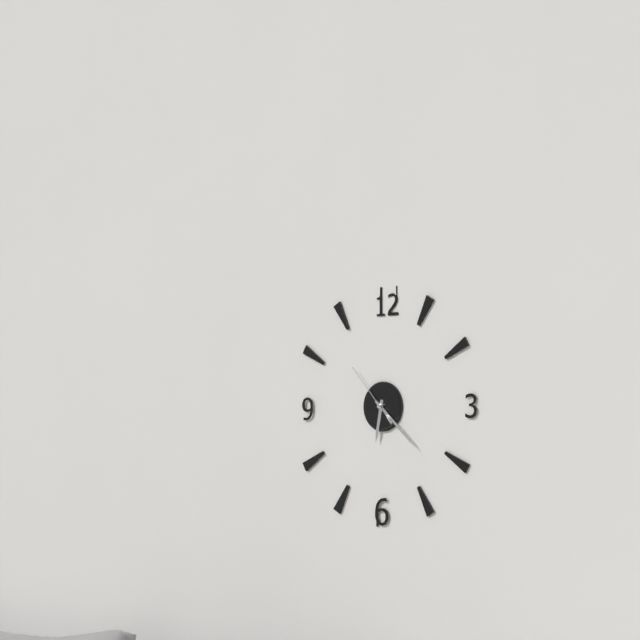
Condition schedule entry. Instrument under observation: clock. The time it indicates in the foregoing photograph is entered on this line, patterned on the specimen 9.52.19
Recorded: 6.22.53
